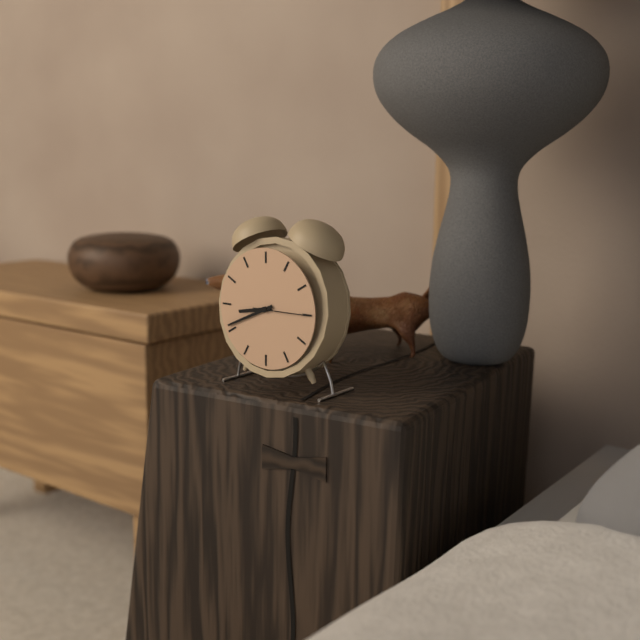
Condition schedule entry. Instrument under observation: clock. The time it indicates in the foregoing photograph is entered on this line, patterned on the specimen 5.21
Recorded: 8.41
